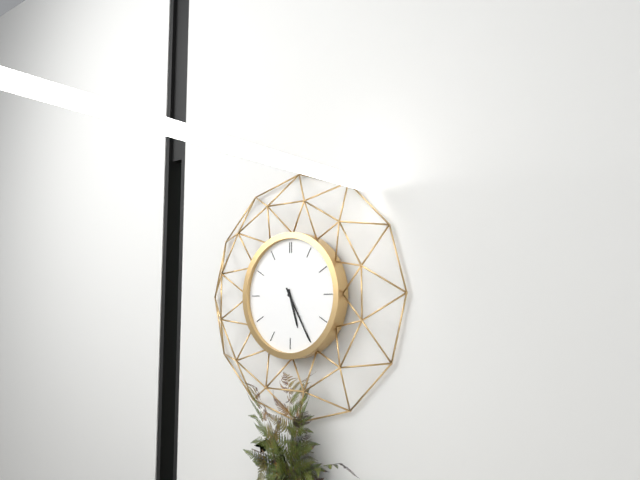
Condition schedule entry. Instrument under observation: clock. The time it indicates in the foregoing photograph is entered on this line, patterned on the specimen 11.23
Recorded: 5.25
